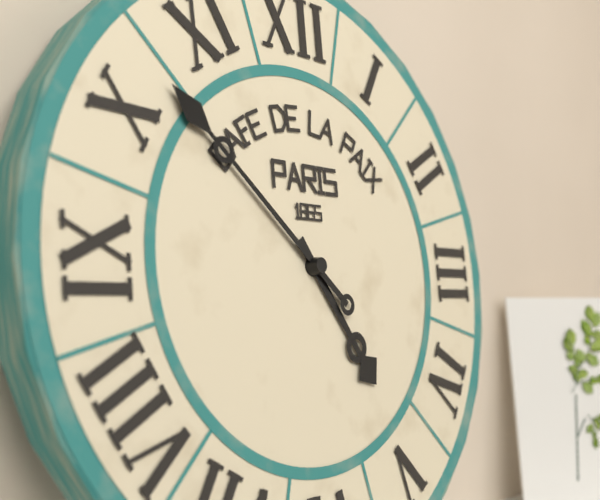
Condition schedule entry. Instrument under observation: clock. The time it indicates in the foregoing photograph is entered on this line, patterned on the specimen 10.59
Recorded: 4.52
